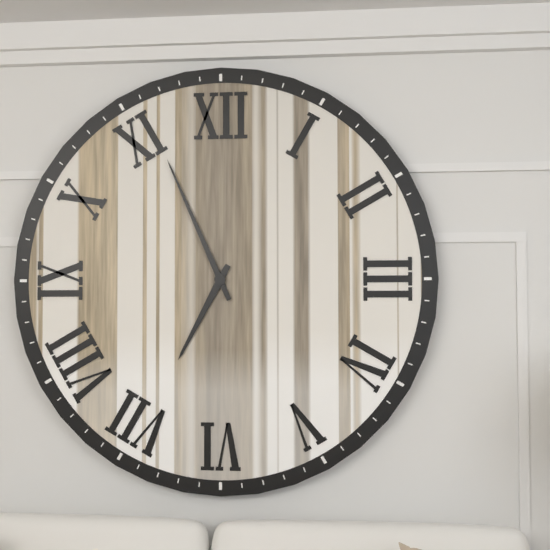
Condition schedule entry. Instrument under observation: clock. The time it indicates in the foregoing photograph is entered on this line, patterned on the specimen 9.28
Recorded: 6.56
